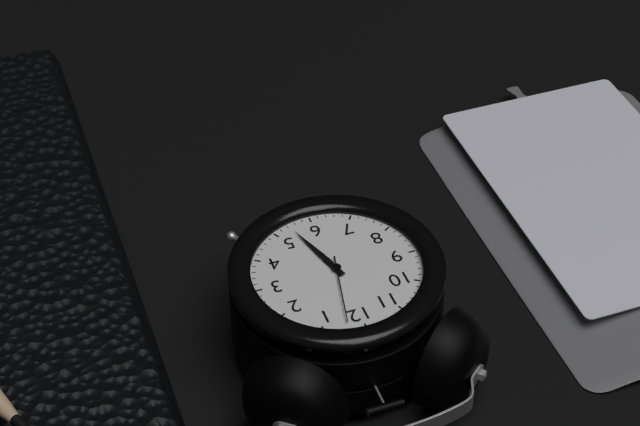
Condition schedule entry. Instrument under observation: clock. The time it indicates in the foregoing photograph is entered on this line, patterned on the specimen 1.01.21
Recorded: 5.27.02
